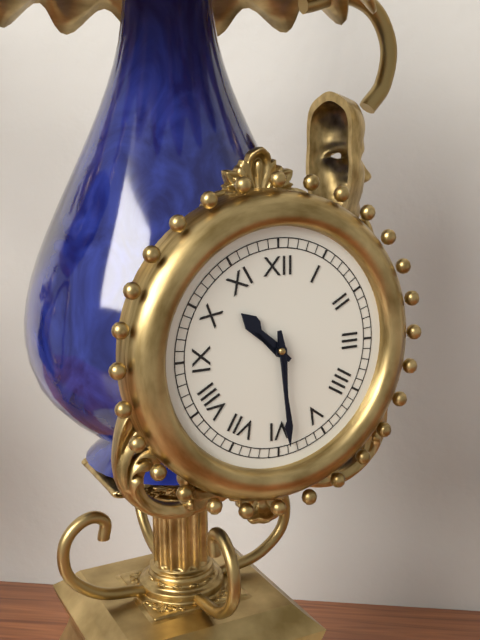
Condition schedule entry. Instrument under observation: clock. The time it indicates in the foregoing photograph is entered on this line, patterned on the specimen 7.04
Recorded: 10.29
